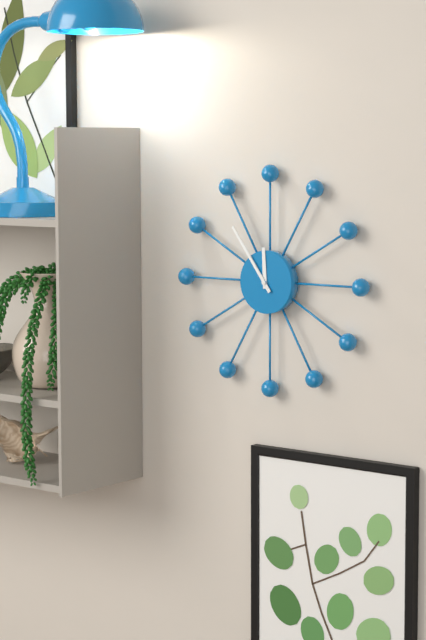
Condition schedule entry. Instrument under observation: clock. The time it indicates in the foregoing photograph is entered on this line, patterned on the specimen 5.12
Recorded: 11.54
